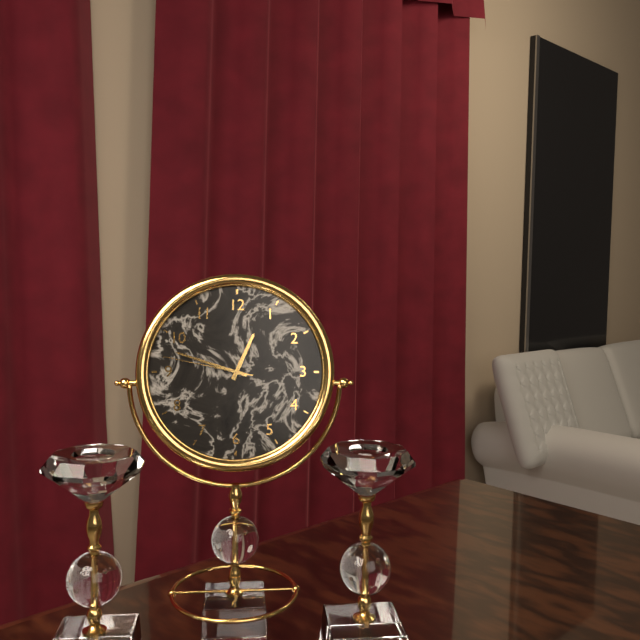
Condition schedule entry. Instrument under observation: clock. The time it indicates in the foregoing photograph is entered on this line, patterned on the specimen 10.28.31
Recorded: 12.48.47
